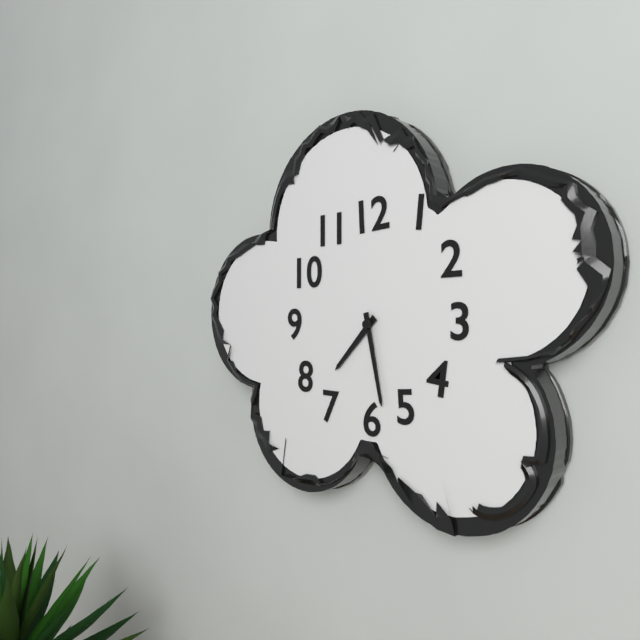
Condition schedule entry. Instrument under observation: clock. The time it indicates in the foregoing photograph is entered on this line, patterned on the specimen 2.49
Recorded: 7.28
